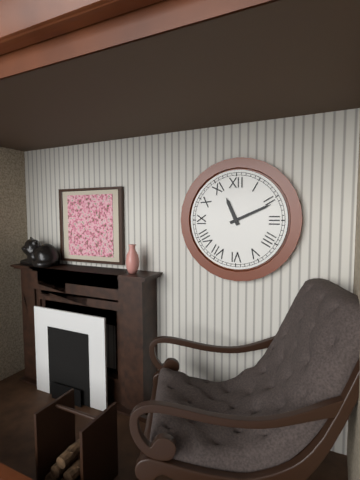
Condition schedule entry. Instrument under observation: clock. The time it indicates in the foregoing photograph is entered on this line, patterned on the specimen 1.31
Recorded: 11.11
